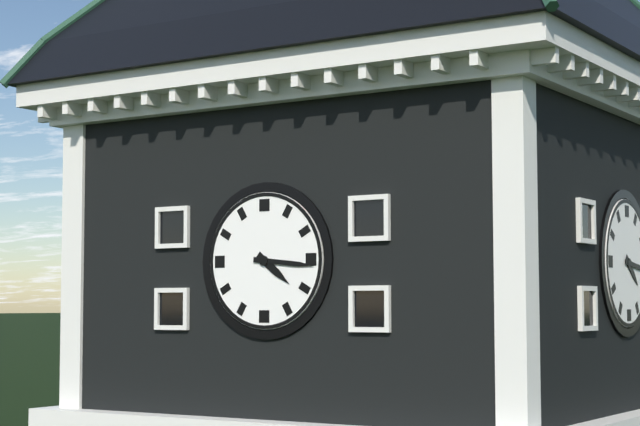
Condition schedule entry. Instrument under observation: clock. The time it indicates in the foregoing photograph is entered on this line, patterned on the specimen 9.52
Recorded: 4.16
